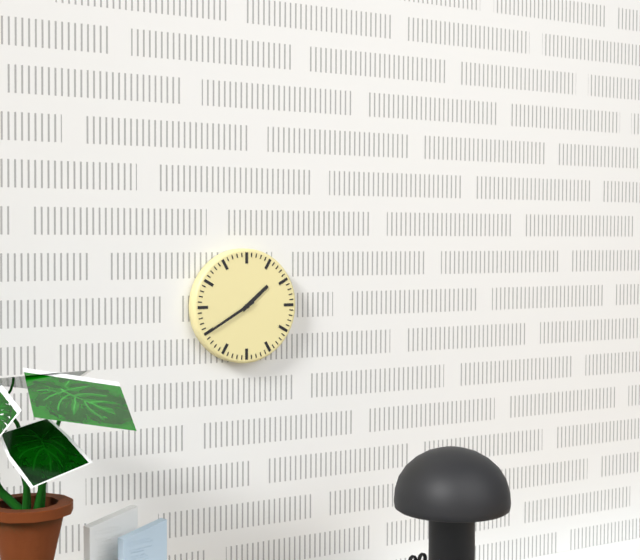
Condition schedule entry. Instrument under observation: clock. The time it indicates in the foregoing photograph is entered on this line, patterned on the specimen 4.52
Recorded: 1.40
